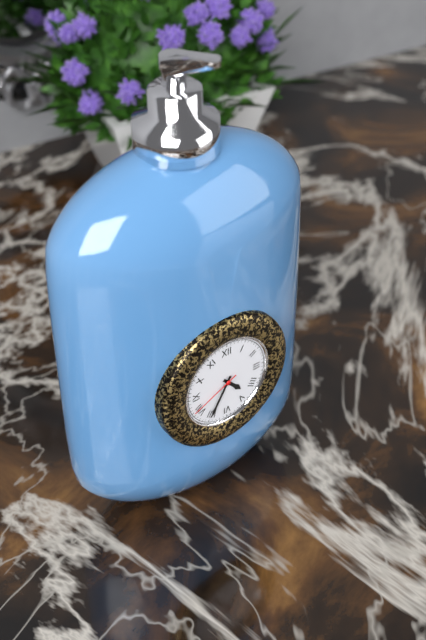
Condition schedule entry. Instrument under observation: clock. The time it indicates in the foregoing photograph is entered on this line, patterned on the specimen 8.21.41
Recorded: 4.35.41
